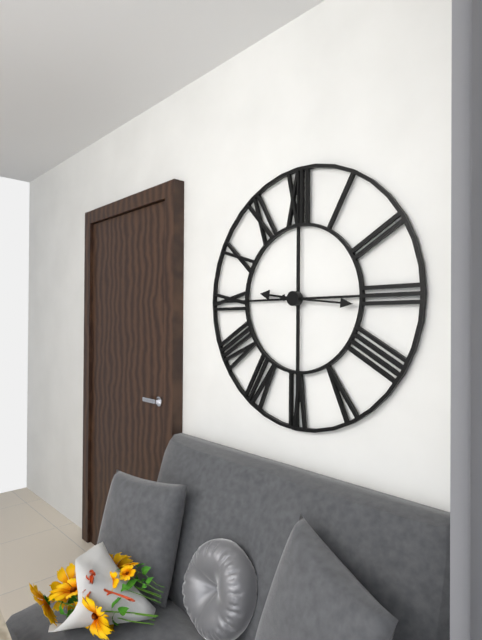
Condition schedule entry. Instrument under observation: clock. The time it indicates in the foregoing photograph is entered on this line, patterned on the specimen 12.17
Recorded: 9.16
